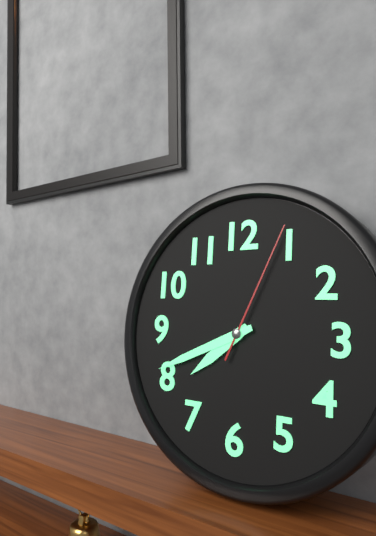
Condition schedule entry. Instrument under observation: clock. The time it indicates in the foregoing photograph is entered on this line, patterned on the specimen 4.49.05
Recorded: 7.41.04
